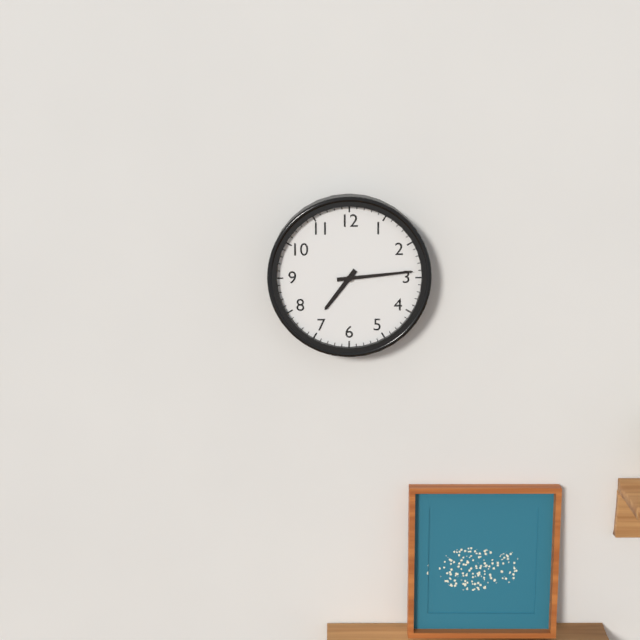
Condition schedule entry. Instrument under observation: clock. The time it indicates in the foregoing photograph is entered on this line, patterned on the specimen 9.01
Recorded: 7.14
